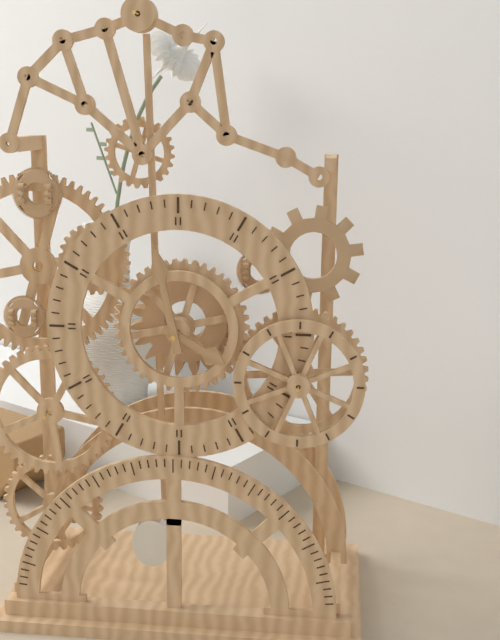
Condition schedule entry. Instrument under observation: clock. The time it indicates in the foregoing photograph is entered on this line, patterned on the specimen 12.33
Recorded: 3.58
